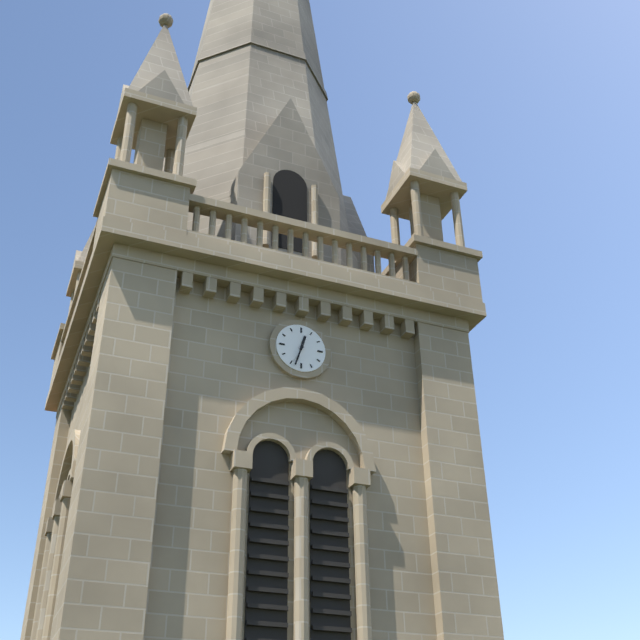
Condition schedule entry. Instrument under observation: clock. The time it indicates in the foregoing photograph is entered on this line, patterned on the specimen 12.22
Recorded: 12.33
